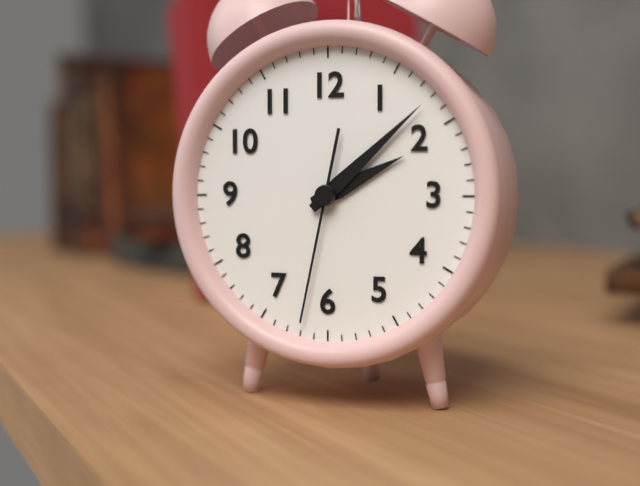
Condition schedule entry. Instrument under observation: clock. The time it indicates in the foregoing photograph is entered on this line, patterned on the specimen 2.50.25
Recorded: 2.08.32
